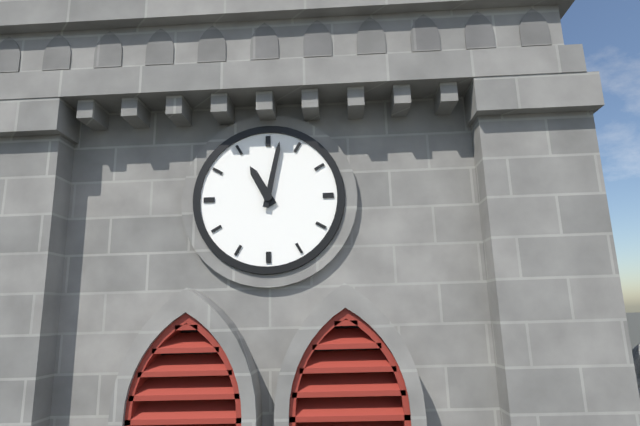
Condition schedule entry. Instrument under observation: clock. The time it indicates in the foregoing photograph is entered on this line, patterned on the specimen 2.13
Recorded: 11.02
